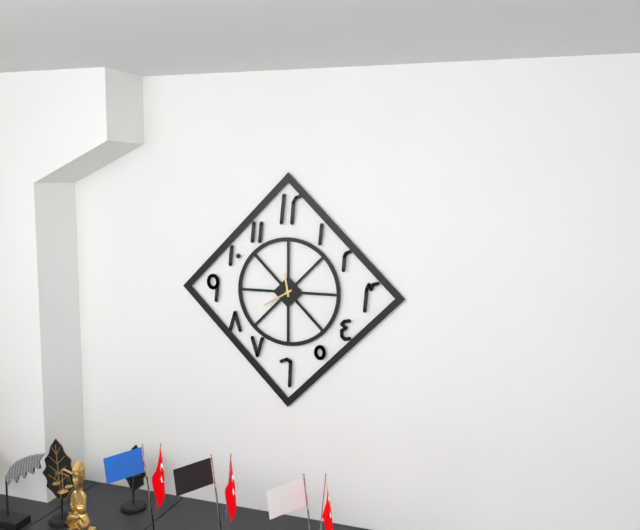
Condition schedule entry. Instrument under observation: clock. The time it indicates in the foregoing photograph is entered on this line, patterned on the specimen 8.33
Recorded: 11.40
